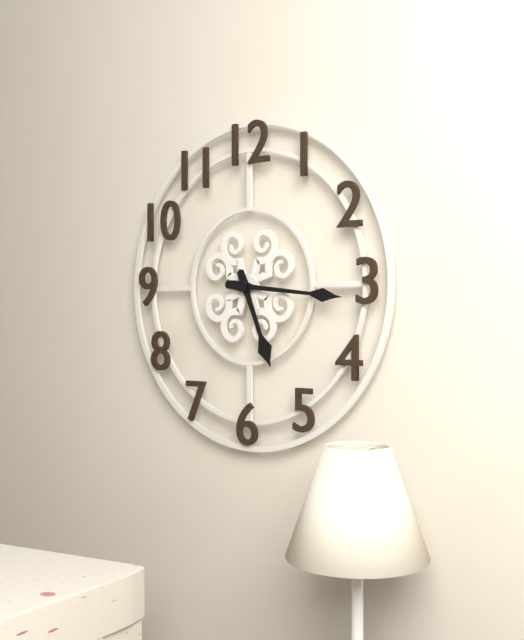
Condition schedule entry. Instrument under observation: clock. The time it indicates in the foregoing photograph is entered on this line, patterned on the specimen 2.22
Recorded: 5.16
